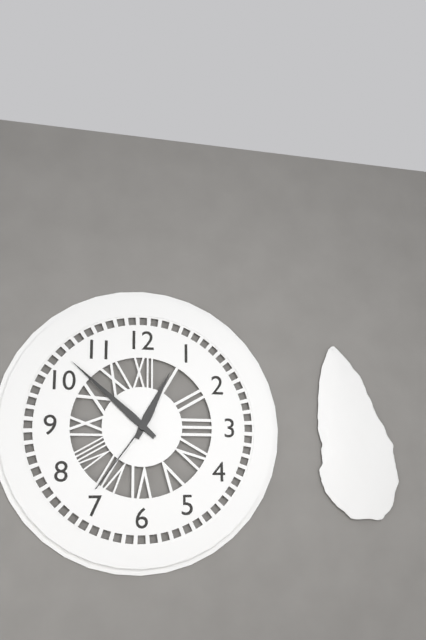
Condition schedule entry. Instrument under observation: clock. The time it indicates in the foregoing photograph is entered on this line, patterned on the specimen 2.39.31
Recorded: 12.52.36
